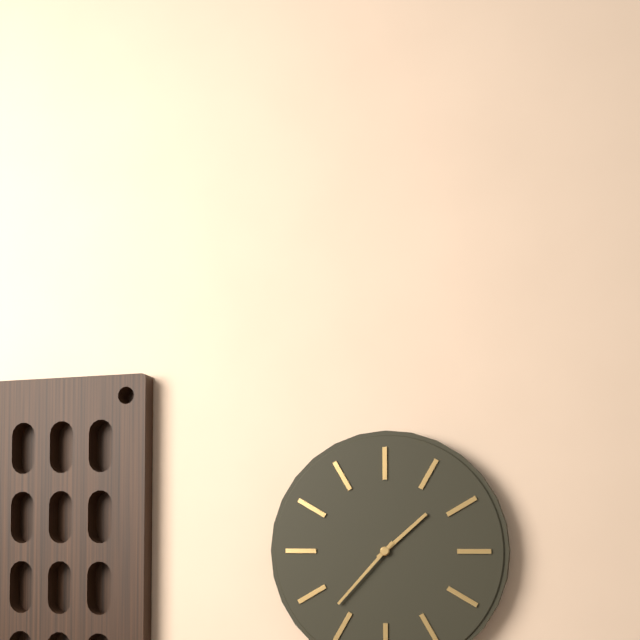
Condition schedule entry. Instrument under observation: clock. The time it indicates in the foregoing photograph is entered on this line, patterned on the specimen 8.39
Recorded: 1.37
